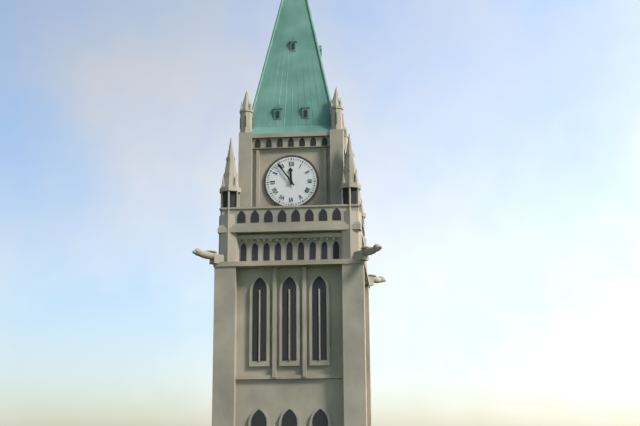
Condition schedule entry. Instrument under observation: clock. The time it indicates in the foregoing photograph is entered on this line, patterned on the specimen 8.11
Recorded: 11.54
